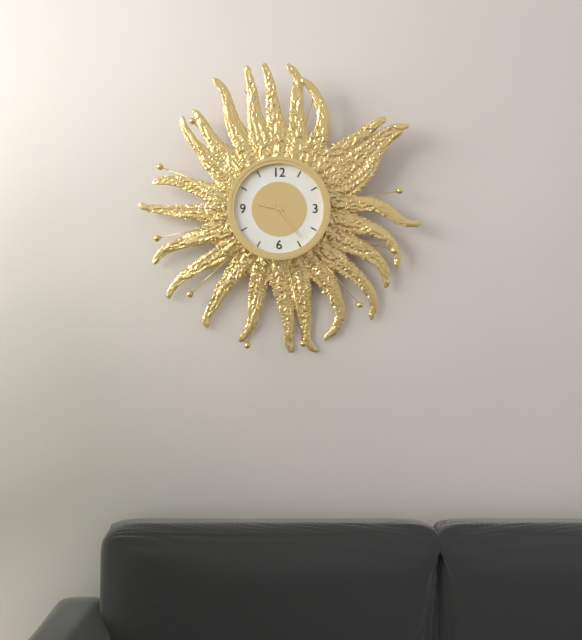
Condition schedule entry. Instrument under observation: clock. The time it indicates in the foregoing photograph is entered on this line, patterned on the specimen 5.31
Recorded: 9.24
